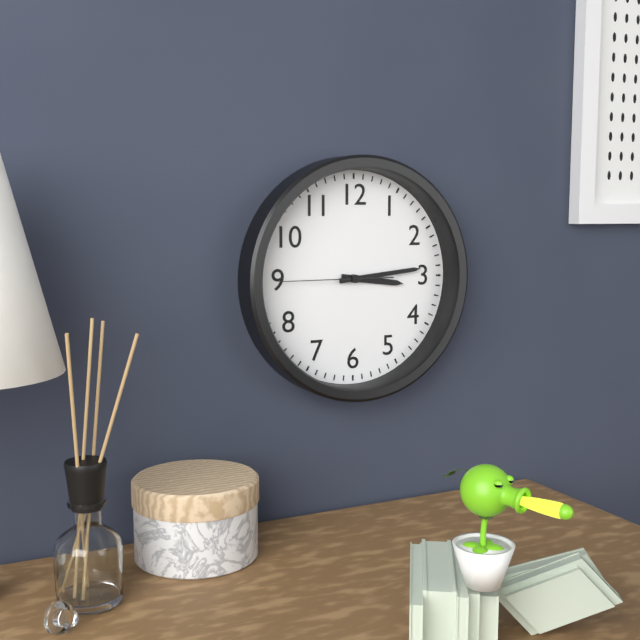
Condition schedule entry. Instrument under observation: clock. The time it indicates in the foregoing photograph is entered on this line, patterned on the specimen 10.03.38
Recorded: 3.14.45
